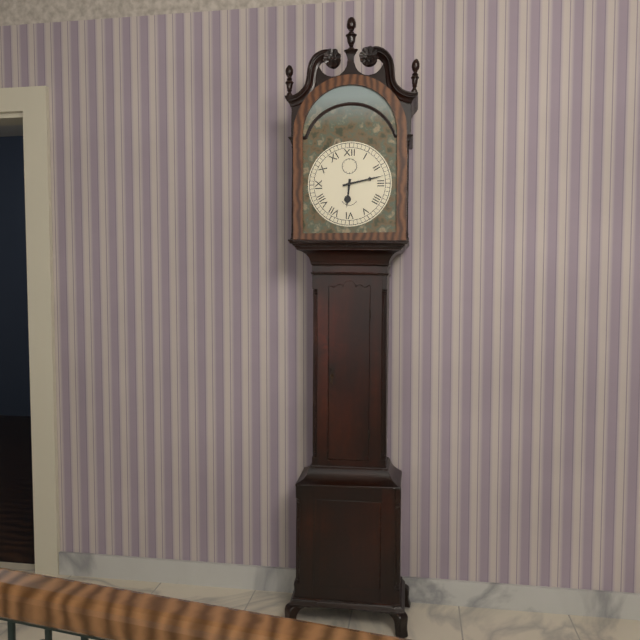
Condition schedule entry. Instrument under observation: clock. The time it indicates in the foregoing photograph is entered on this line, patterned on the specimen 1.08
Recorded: 6.13
